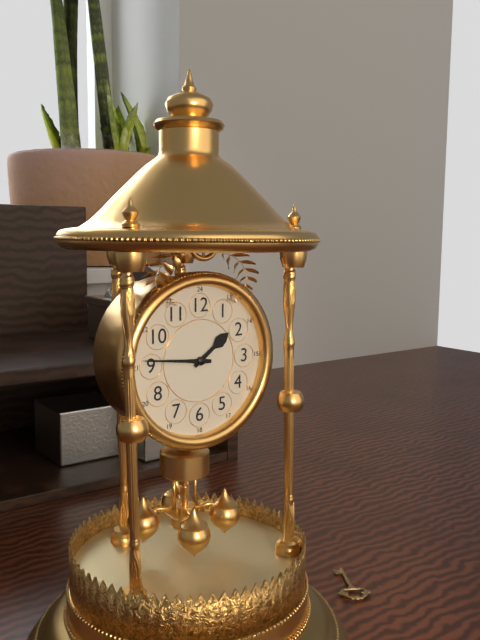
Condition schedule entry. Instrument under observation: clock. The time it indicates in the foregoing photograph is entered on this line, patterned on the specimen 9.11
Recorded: 1.46
